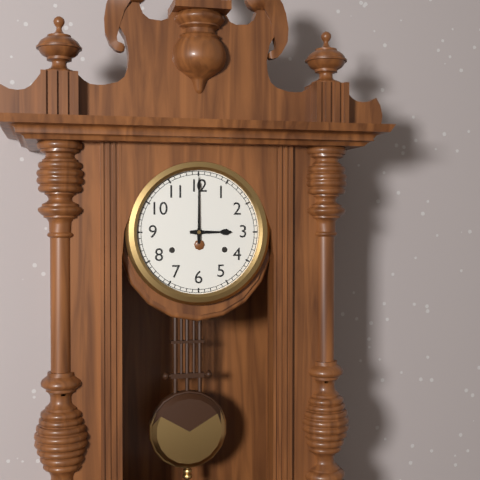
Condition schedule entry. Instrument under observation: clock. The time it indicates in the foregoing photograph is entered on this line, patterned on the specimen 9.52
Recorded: 3.00
